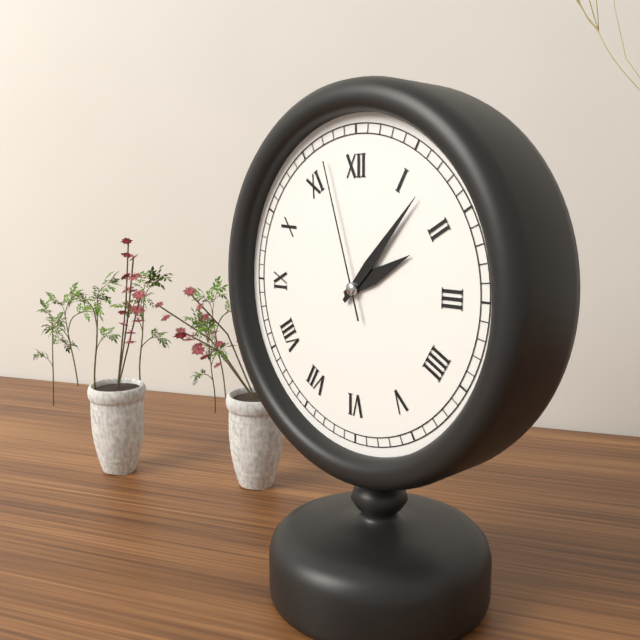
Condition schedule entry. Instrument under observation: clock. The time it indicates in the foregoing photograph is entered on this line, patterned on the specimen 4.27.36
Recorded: 2.07.57
